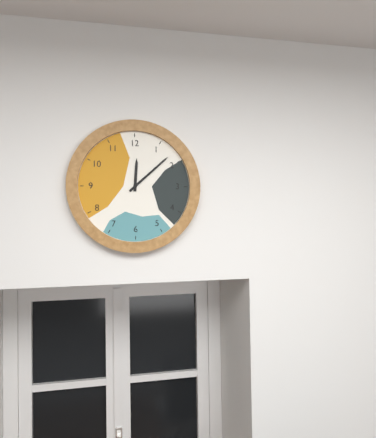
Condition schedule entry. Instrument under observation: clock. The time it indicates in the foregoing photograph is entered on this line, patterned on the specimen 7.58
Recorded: 12.08
